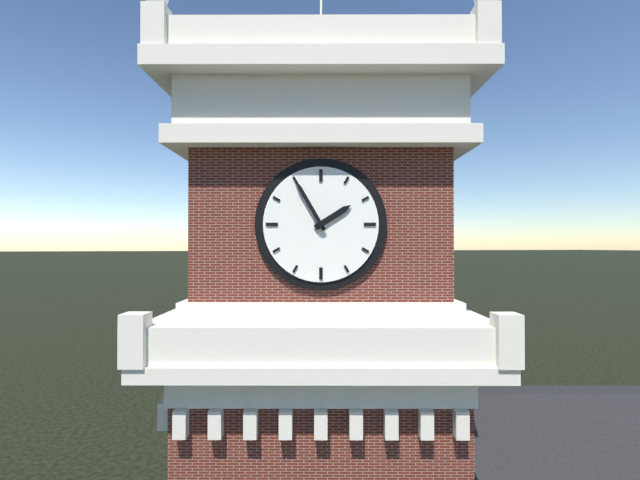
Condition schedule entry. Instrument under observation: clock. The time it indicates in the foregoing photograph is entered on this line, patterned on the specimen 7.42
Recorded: 1.55
